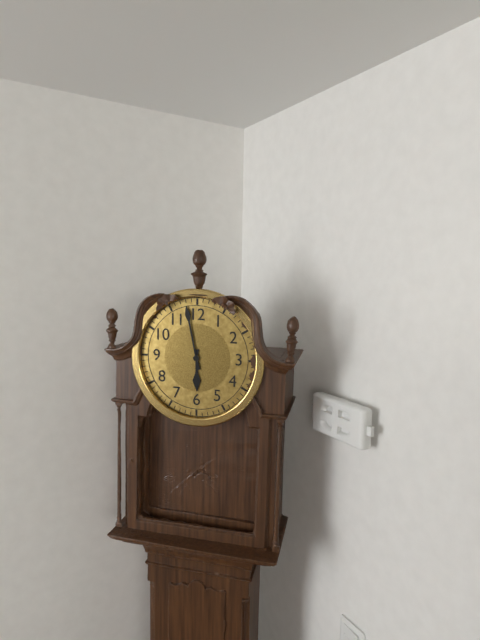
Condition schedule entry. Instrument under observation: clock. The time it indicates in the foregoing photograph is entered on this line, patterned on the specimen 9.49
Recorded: 5.58
